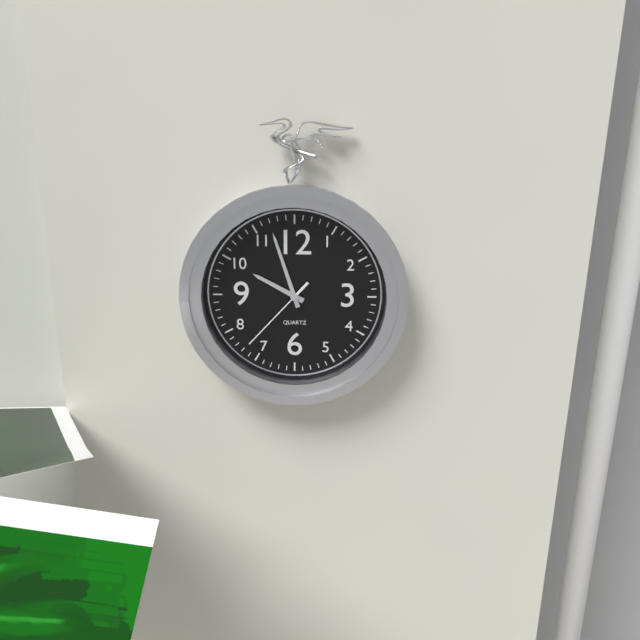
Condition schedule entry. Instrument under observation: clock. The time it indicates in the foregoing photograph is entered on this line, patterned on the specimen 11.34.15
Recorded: 9.57.37
